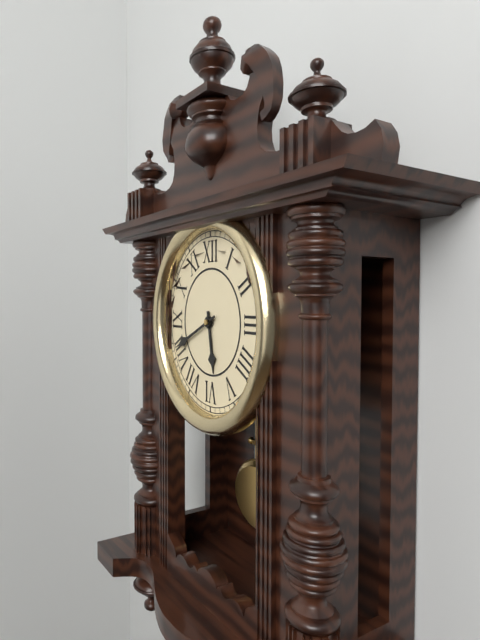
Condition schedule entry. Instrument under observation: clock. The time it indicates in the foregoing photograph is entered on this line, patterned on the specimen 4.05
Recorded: 5.41
